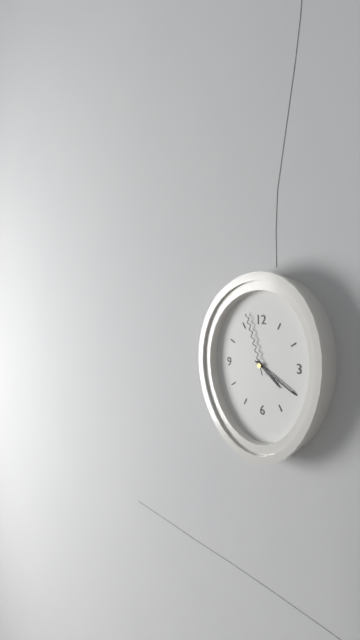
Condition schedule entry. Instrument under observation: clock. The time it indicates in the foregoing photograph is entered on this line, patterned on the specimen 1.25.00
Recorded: 4.20.57
